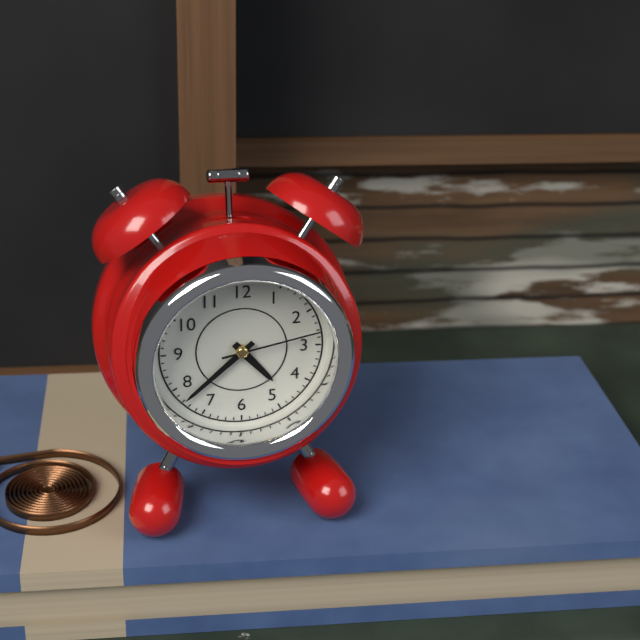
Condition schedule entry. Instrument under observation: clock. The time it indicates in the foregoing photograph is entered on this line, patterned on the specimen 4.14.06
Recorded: 4.38.13
